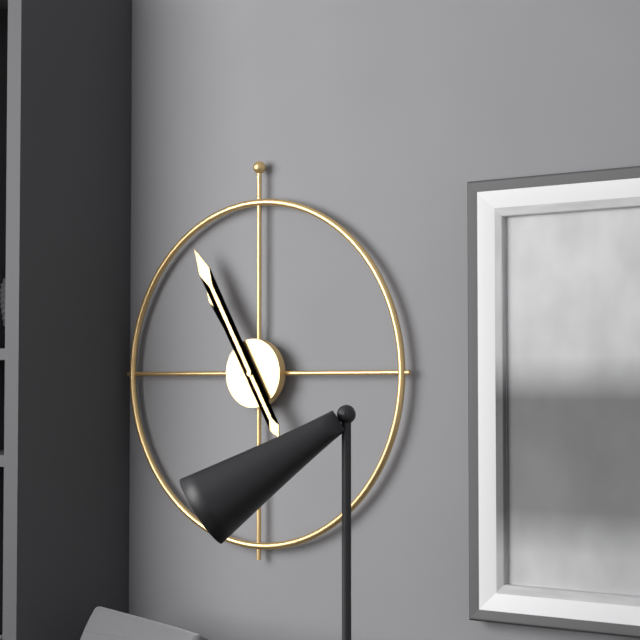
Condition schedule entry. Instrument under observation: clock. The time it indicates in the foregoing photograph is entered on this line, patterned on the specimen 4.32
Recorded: 10.55
